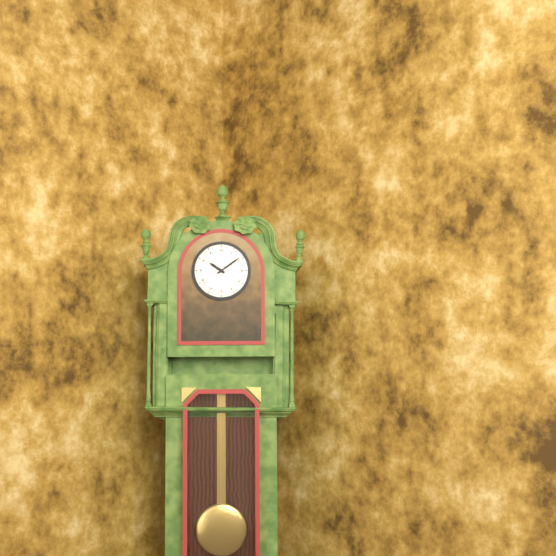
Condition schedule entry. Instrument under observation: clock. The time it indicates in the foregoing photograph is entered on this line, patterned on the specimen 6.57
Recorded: 10.09
